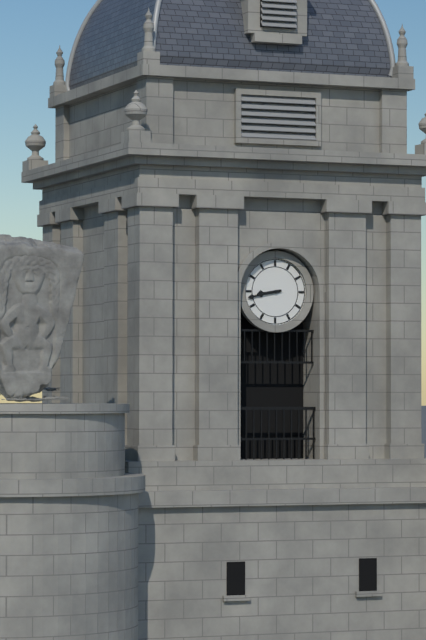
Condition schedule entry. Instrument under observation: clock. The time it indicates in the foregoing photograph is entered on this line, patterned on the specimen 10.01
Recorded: 8.43
